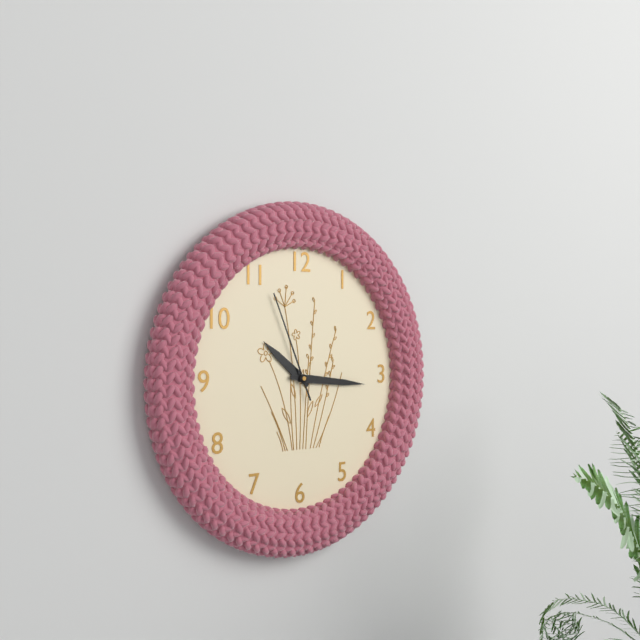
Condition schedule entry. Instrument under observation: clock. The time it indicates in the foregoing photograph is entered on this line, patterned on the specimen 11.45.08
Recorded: 10.16.56
